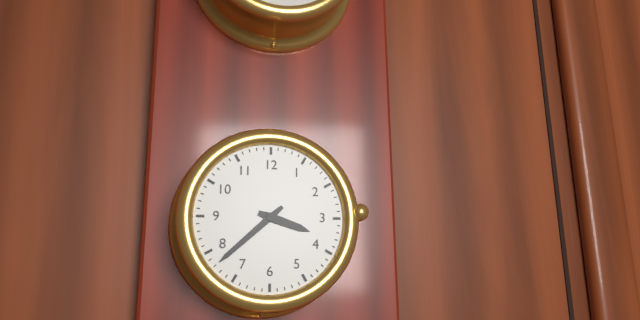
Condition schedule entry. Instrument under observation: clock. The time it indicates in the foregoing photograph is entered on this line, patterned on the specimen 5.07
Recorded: 3.38
